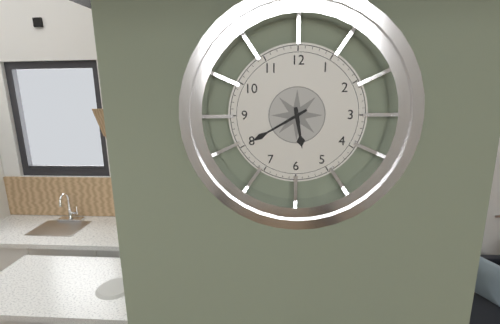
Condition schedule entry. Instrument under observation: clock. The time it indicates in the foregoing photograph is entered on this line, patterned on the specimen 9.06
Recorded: 5.40
